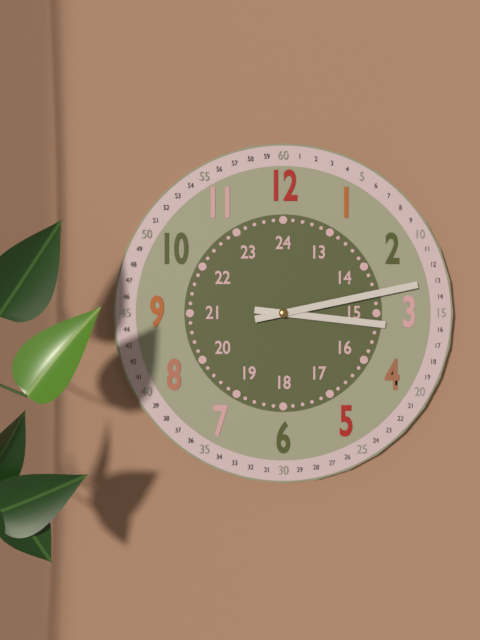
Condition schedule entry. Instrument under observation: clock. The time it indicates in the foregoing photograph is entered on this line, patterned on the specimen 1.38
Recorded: 3.13
